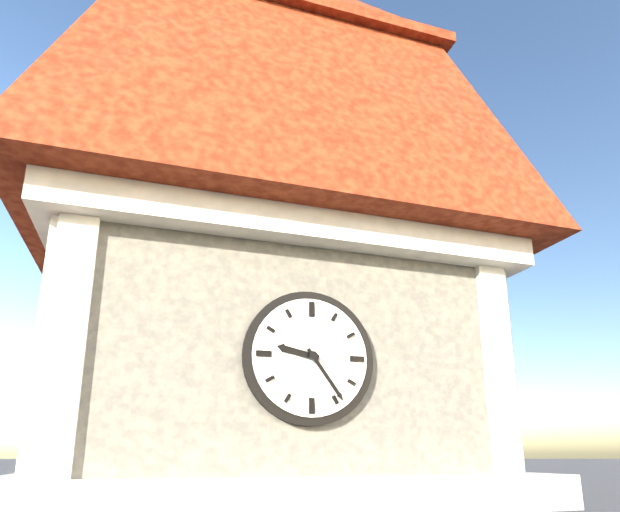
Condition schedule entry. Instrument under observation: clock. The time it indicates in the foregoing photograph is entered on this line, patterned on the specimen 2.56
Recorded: 9.24
